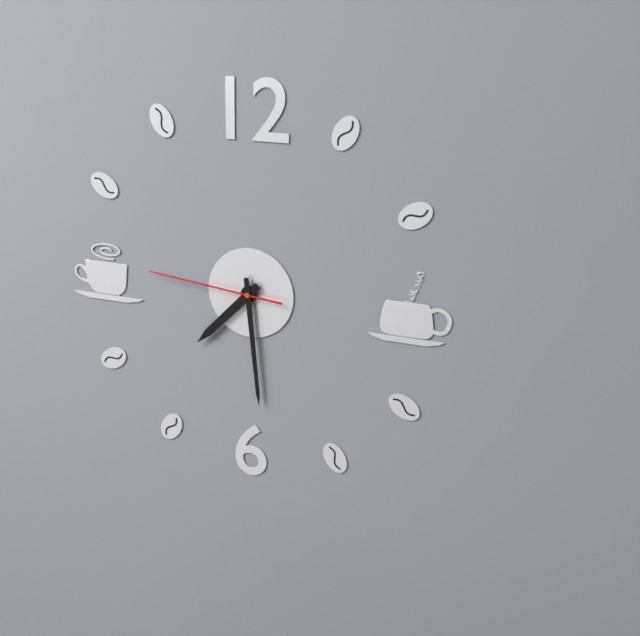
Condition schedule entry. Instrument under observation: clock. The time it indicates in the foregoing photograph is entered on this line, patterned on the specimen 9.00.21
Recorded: 7.29.46
